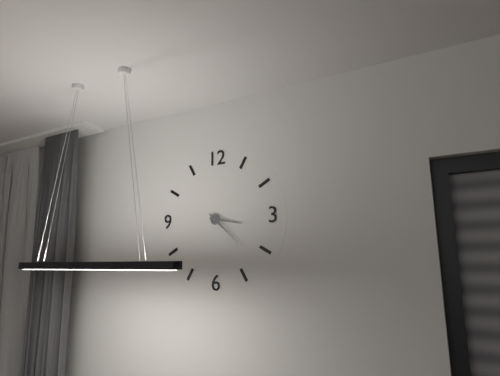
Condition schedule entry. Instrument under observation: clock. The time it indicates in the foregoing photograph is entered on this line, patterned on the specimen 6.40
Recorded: 3.22
